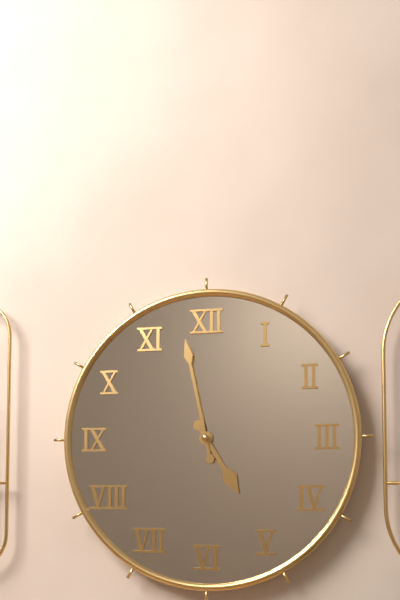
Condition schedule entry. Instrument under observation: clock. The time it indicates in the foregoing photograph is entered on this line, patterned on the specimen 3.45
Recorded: 4.58
